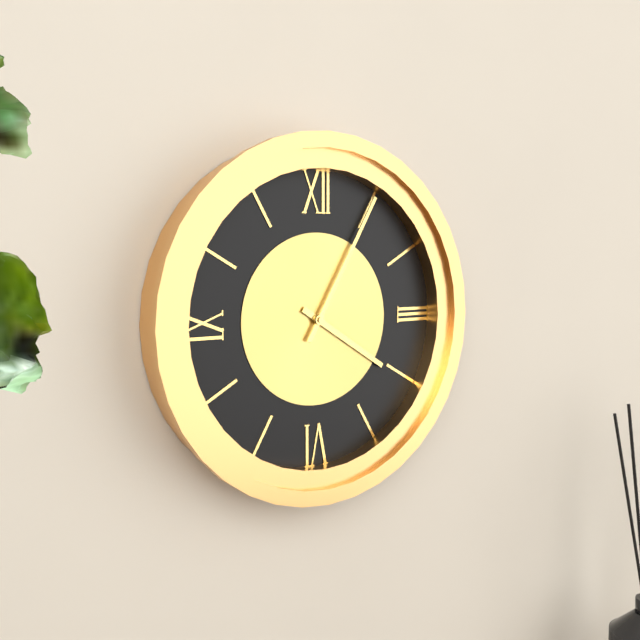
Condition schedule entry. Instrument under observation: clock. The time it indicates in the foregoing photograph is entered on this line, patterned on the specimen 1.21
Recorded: 4.05
